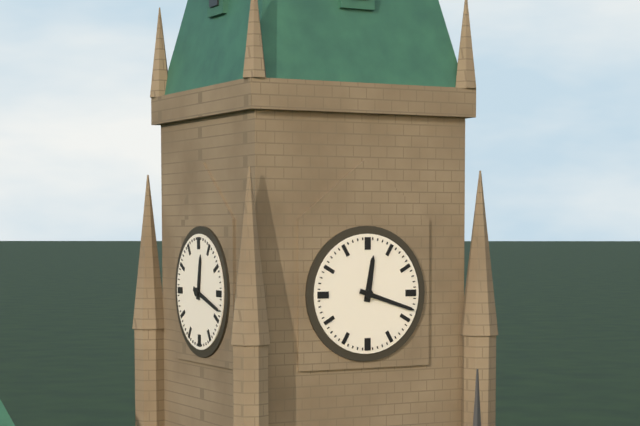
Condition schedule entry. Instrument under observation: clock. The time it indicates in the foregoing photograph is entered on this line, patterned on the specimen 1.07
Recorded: 12.18
